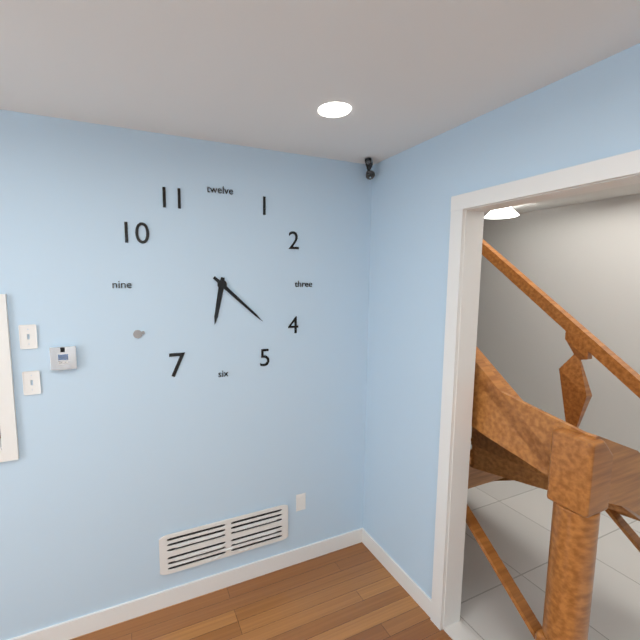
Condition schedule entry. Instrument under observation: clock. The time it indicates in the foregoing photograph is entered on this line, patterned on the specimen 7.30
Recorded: 6.22
